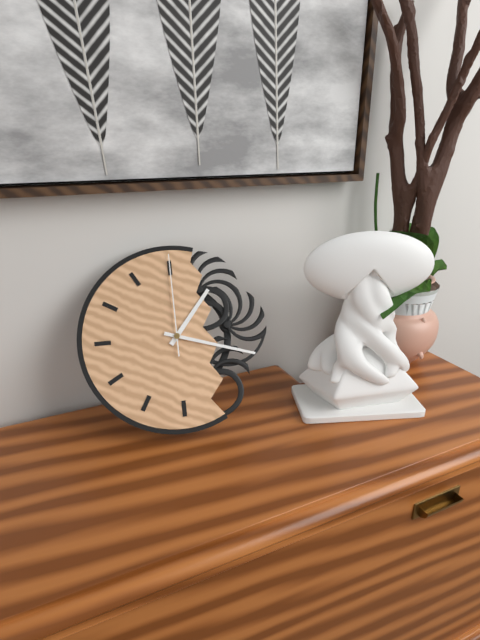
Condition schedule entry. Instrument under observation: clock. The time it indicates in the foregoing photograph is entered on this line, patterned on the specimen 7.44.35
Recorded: 1.18.00
